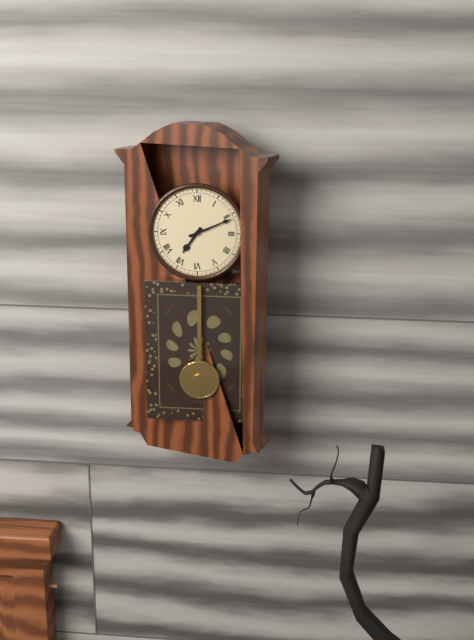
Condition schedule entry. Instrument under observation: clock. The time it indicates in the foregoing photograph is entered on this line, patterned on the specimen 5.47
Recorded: 7.11
